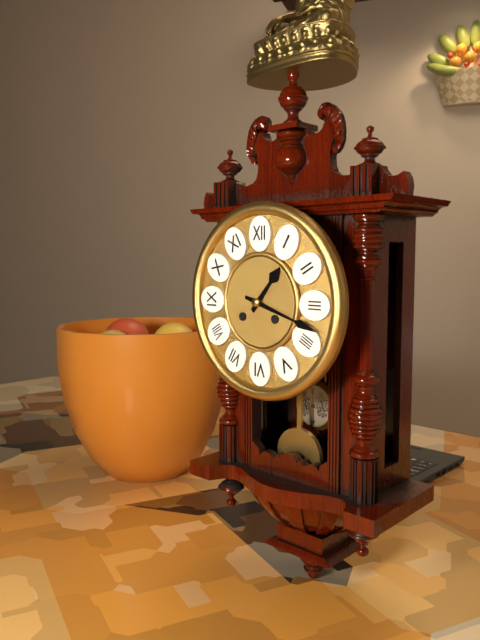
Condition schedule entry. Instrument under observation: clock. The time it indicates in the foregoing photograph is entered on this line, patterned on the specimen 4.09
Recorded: 1.18
